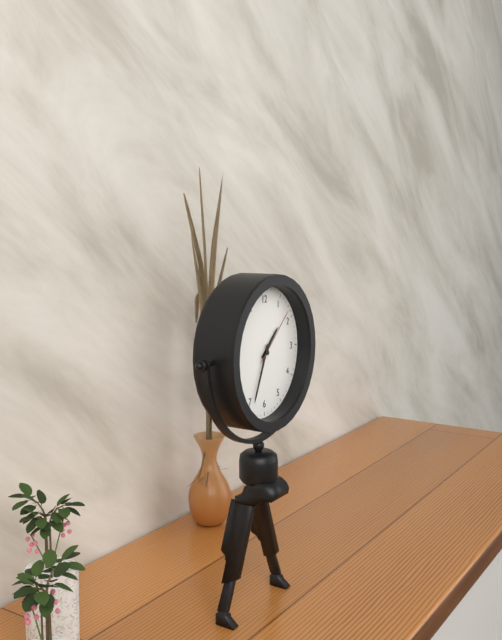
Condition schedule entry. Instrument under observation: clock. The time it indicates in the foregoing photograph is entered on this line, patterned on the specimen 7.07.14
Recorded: 1.34.08
